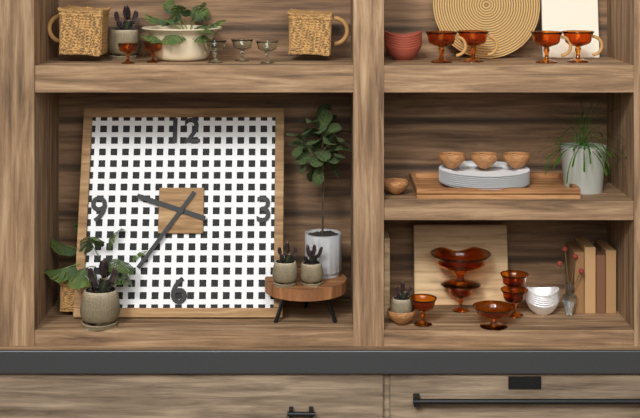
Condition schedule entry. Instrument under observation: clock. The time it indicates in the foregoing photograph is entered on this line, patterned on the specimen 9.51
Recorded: 9.36
